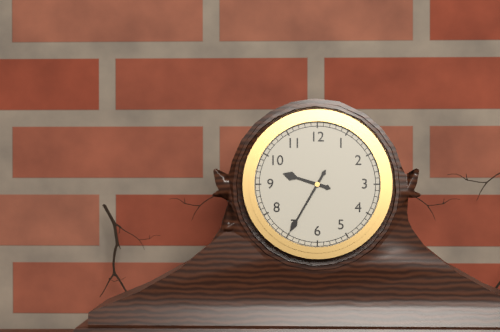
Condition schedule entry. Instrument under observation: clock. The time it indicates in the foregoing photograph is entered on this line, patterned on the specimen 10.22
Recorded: 9.35
